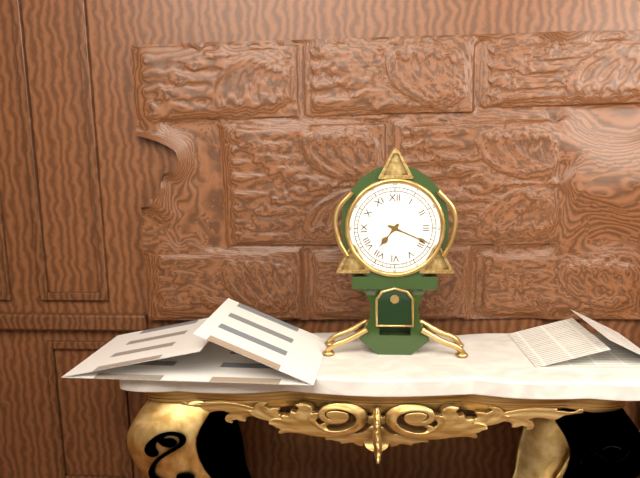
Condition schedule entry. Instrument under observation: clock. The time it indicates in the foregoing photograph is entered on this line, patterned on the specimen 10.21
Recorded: 7.19
